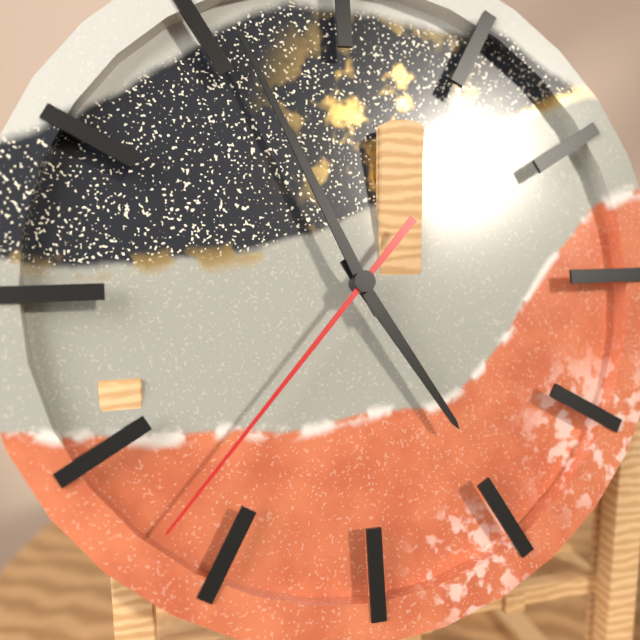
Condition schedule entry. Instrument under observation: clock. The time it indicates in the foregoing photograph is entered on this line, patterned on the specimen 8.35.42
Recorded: 4.56.37
